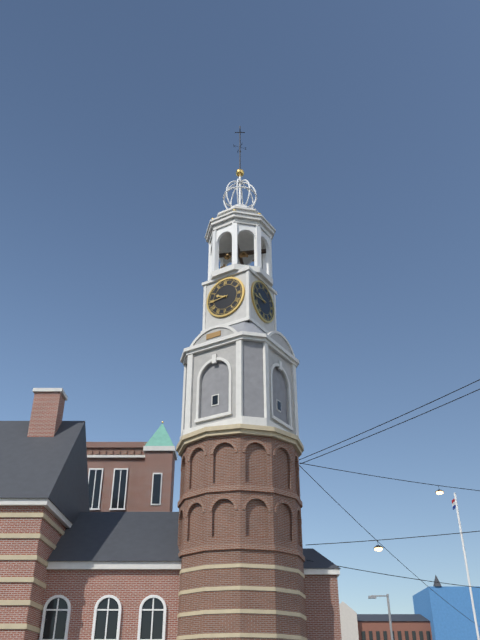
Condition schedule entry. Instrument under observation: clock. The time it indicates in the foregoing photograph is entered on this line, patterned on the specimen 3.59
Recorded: 9.44
